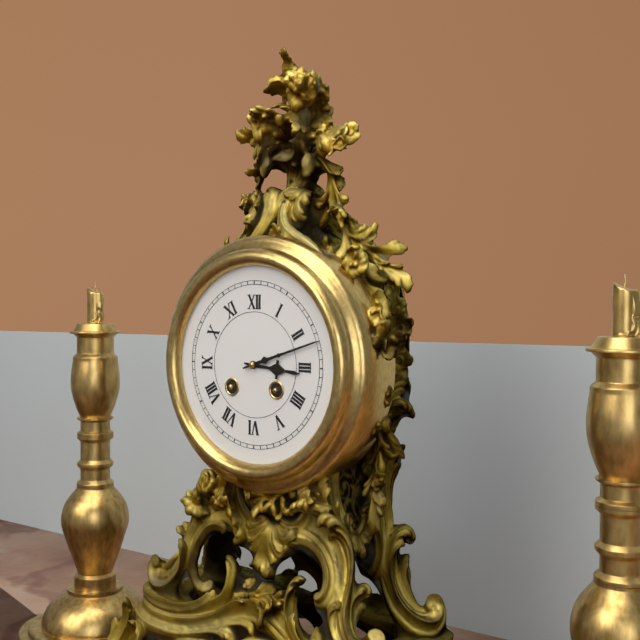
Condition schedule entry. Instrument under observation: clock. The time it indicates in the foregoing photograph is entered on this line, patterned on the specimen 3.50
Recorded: 3.12
